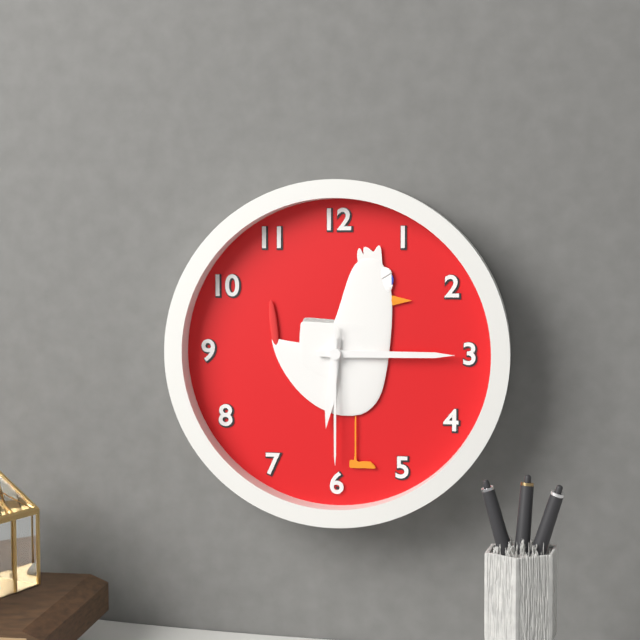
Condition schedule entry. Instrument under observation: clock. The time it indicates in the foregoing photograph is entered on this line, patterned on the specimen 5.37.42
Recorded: 6.15.30
